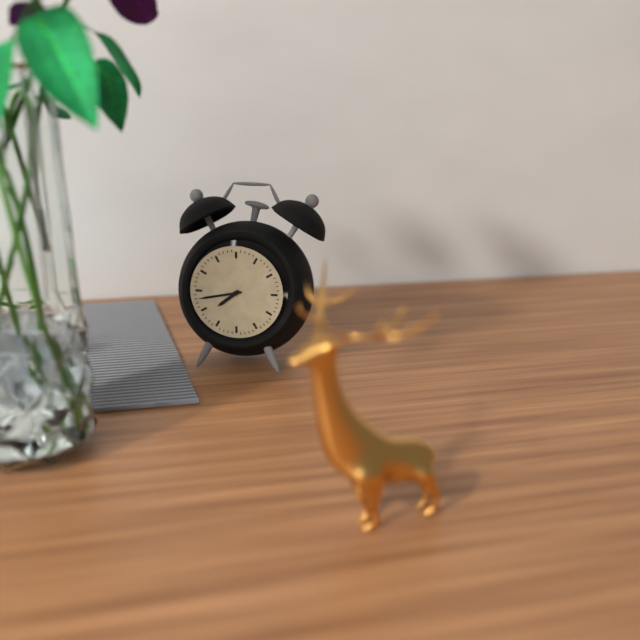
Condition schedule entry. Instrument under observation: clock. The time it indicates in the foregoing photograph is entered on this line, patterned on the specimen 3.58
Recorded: 7.43
